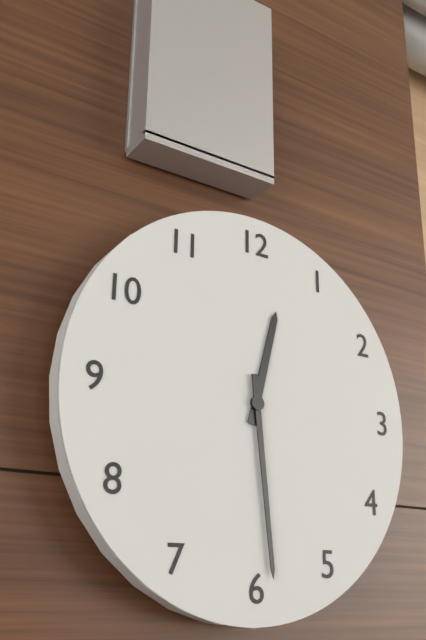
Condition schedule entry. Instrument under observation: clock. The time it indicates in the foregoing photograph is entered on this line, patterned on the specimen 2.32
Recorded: 12.29
